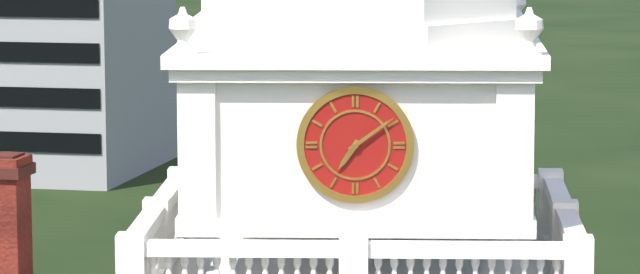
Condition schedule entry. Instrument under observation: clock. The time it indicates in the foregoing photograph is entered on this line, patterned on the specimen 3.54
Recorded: 7.09
